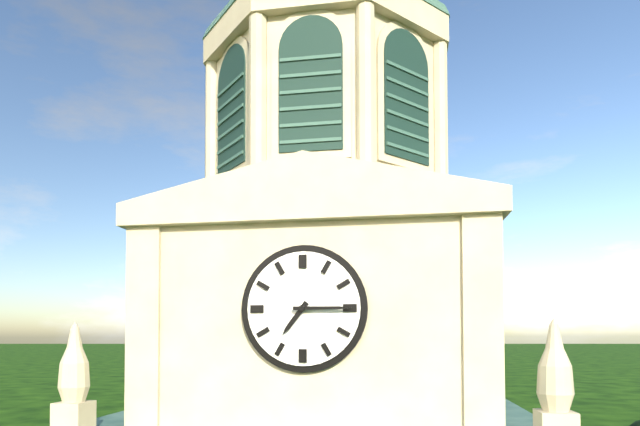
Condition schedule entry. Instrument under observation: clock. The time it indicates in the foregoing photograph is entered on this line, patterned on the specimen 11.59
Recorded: 7.15
